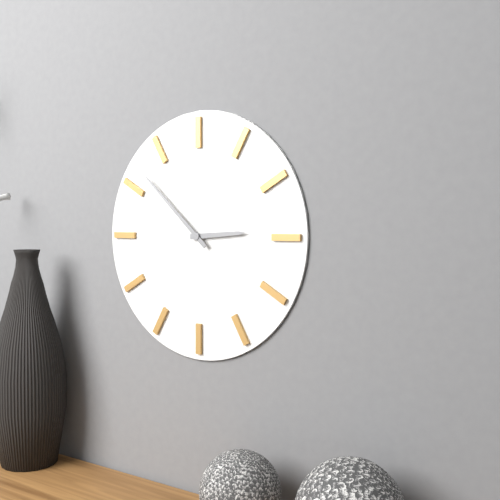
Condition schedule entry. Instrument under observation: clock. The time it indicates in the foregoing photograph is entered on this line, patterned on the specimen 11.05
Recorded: 2.52
